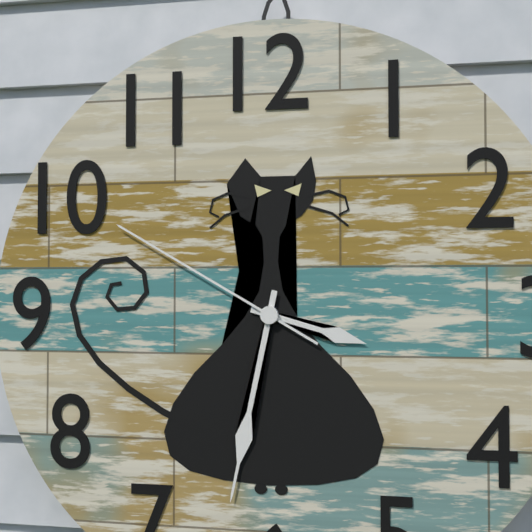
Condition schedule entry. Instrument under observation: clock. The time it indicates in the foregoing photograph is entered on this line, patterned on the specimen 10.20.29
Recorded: 3.32.50
